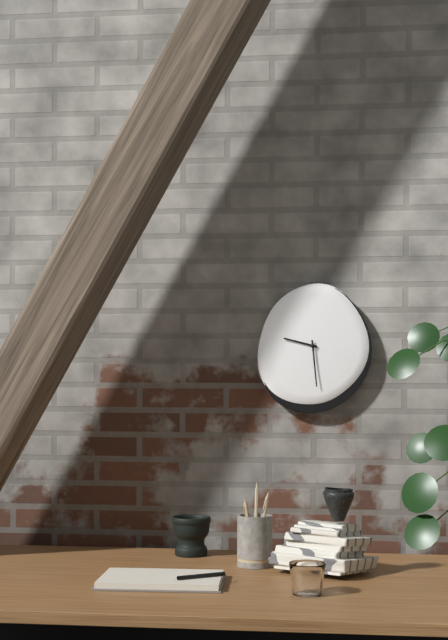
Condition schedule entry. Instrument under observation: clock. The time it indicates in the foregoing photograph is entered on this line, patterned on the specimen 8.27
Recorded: 9.29
